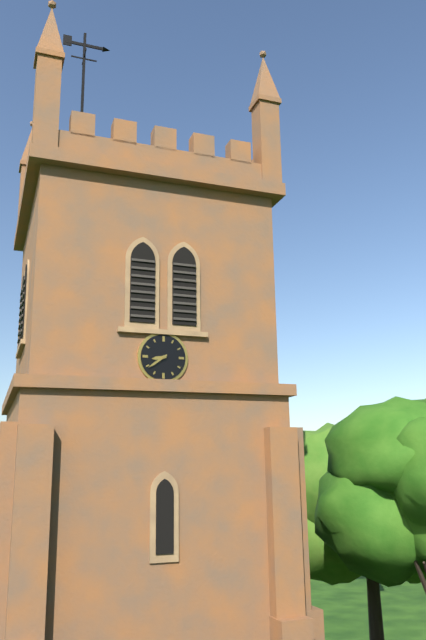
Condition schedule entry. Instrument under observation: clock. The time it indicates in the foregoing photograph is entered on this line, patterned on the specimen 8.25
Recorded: 8.39
